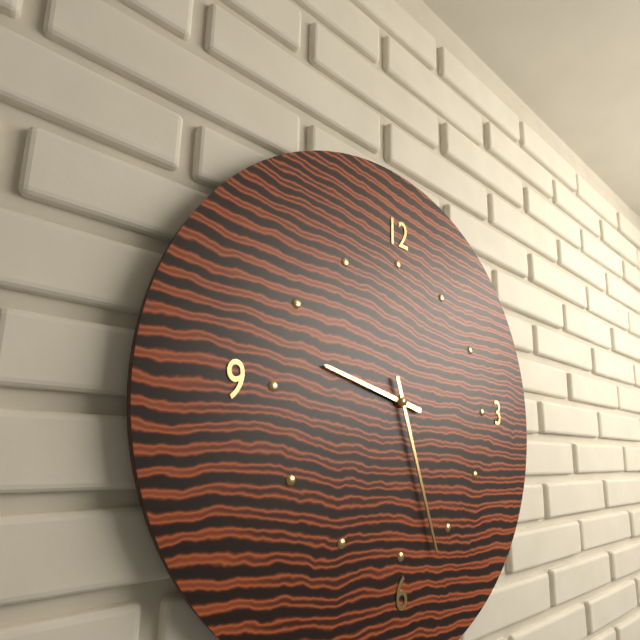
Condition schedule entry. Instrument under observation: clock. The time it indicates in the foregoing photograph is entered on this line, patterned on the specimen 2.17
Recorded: 9.27
